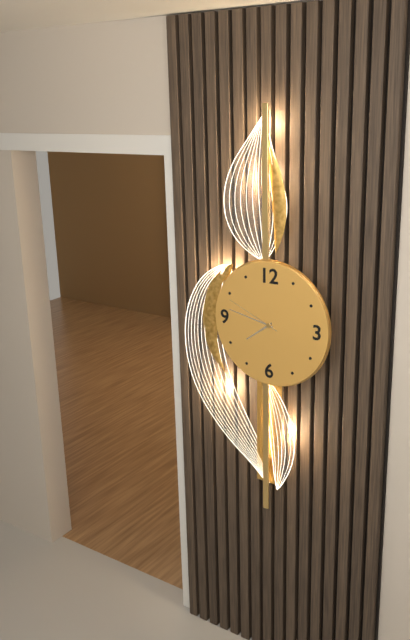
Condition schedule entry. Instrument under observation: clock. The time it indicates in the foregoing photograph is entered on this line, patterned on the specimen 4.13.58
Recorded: 7.47.49
